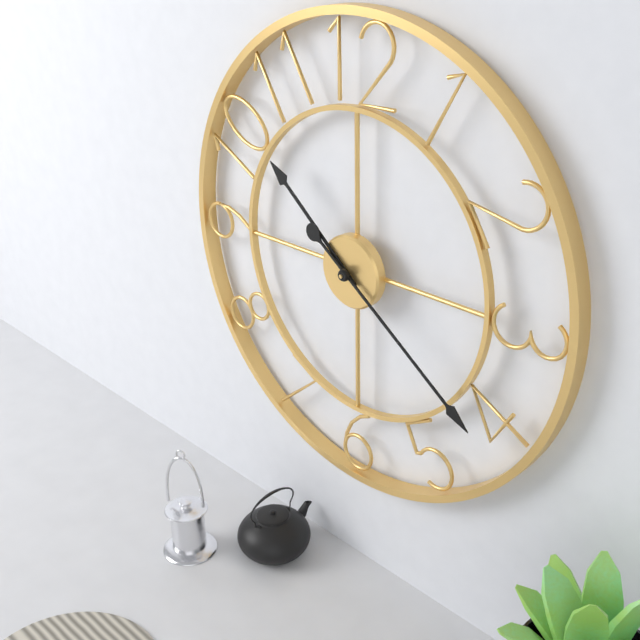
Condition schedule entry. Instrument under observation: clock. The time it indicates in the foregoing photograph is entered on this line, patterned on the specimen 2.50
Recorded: 10.21
